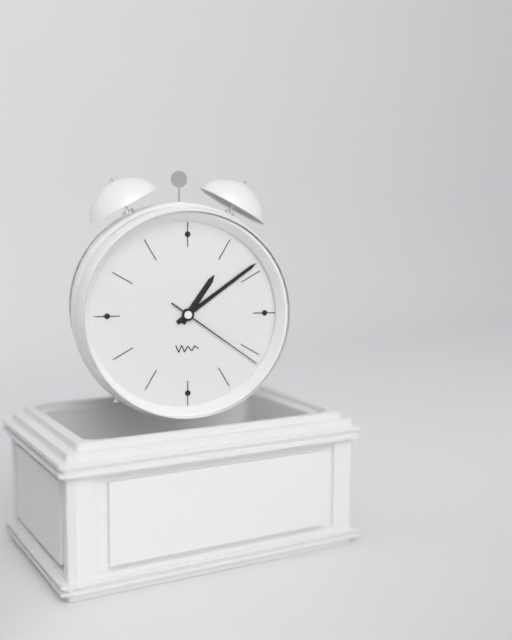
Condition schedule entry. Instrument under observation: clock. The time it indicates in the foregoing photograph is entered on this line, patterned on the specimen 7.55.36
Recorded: 1.09.21
